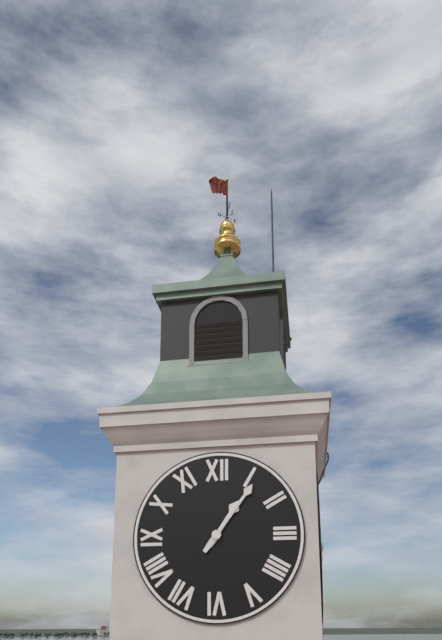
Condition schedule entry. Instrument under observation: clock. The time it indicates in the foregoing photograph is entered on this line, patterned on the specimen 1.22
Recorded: 1.06
